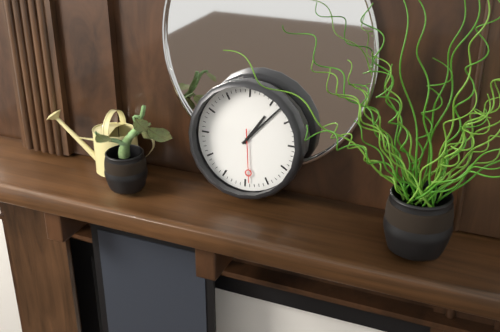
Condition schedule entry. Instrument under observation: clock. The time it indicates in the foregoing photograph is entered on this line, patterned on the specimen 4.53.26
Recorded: 1.07.29
